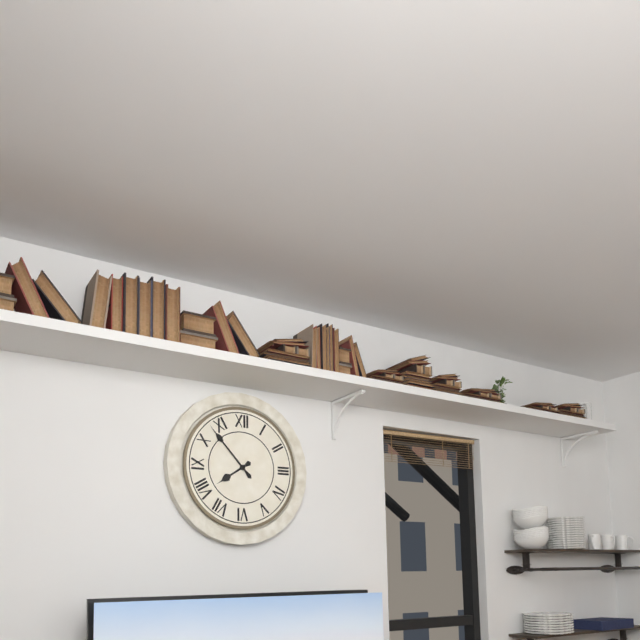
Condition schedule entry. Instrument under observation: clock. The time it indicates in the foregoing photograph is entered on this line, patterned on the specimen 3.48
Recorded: 7.53
